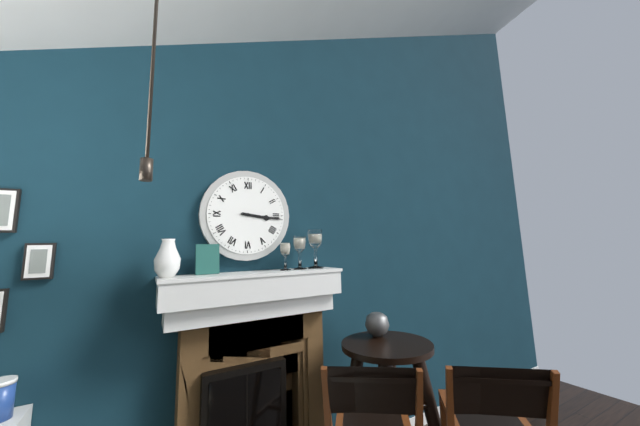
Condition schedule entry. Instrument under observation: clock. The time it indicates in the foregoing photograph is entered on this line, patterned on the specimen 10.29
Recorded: 3.16
